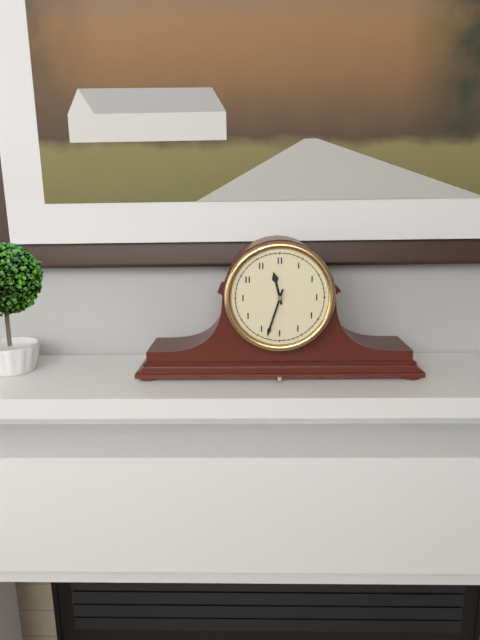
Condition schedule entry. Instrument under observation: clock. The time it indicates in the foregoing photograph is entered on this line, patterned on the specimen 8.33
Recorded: 11.33
